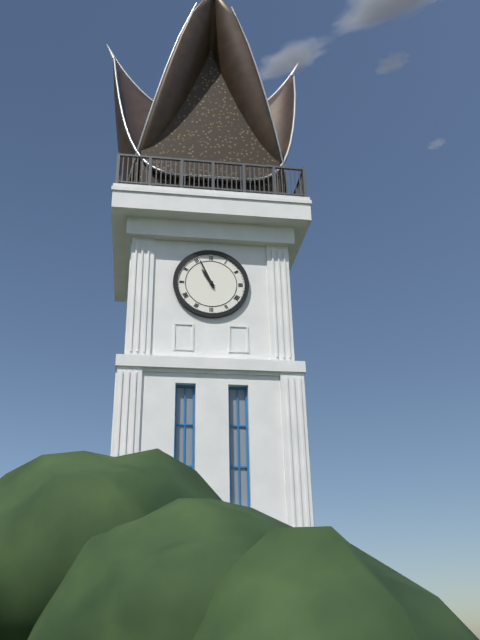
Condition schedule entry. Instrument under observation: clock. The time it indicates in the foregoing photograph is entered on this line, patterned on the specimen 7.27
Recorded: 10.56
